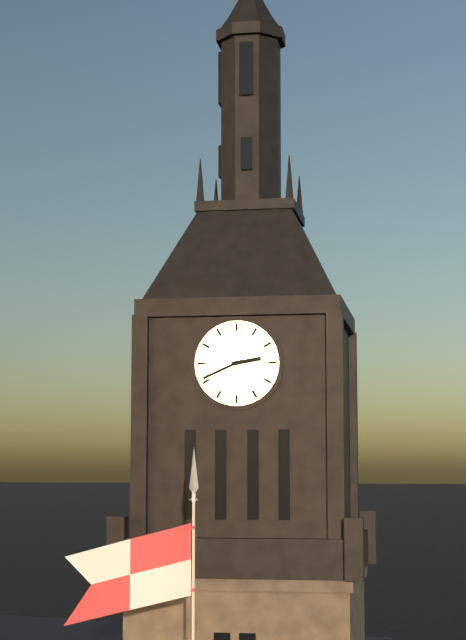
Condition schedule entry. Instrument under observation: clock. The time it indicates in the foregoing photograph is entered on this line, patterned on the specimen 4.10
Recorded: 2.41
